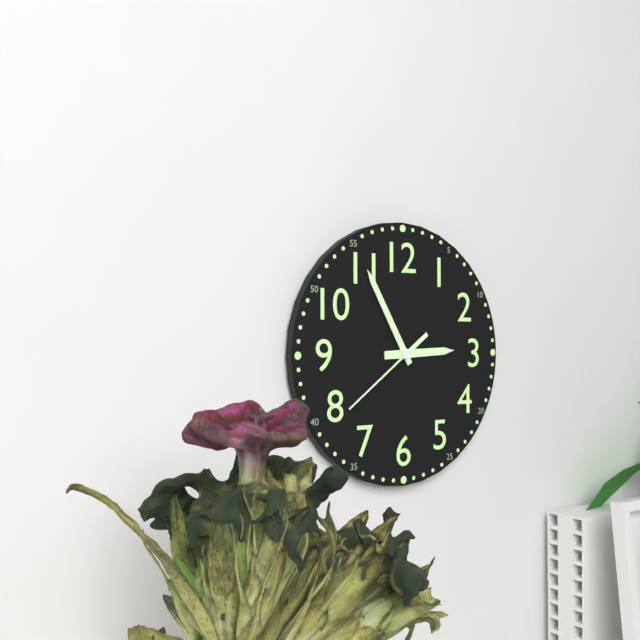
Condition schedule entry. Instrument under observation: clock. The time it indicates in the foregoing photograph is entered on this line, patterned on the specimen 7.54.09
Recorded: 2.55.39
